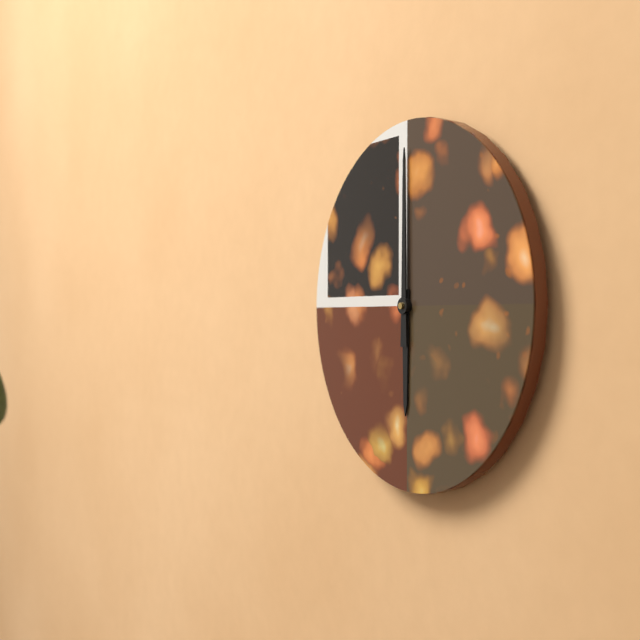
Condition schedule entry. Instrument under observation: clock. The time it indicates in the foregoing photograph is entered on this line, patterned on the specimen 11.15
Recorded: 6.00
